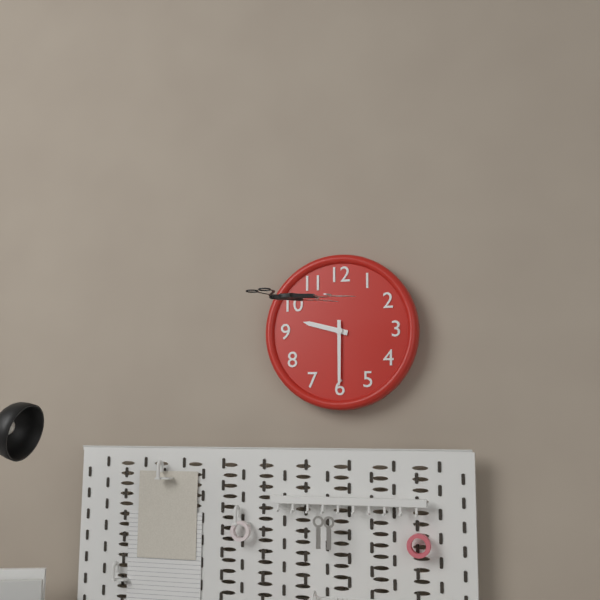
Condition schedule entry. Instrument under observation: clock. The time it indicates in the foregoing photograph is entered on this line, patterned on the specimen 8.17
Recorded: 9.30
